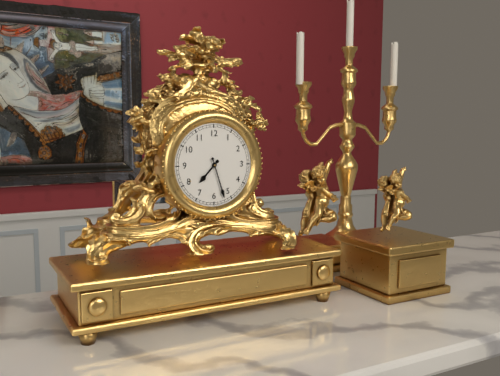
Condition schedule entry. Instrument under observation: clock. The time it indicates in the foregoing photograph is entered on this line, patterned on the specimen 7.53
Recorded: 7.27
